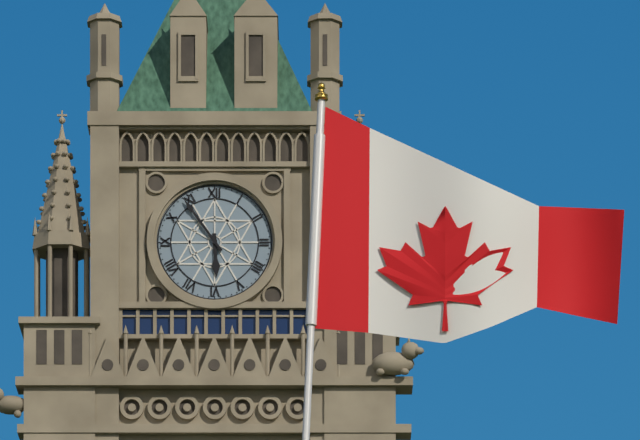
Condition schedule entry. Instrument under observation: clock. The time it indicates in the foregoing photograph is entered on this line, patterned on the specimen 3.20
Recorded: 5.54
